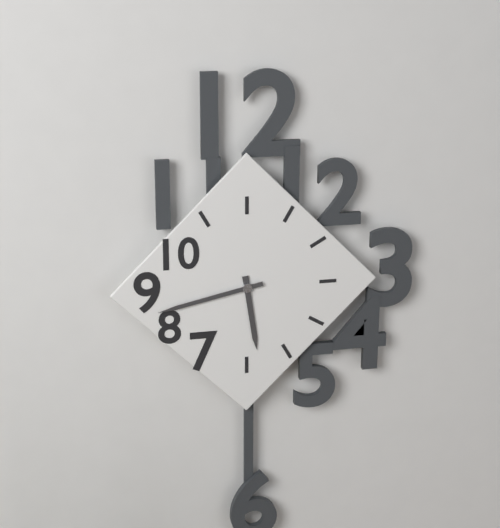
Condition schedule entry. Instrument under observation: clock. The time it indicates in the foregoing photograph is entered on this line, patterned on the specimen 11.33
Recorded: 5.43
